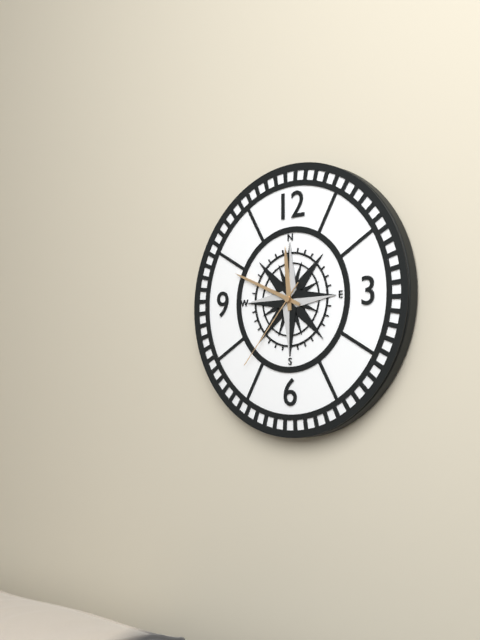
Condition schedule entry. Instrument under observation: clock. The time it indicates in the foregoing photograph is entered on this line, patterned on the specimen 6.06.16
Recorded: 11.49.37
